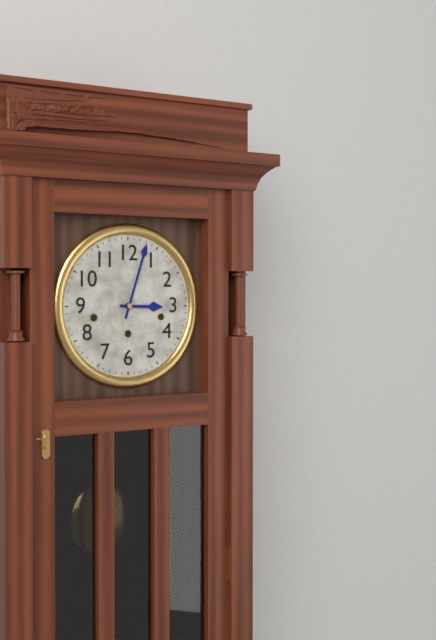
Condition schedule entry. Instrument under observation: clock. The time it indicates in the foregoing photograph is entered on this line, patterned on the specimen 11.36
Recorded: 3.03
